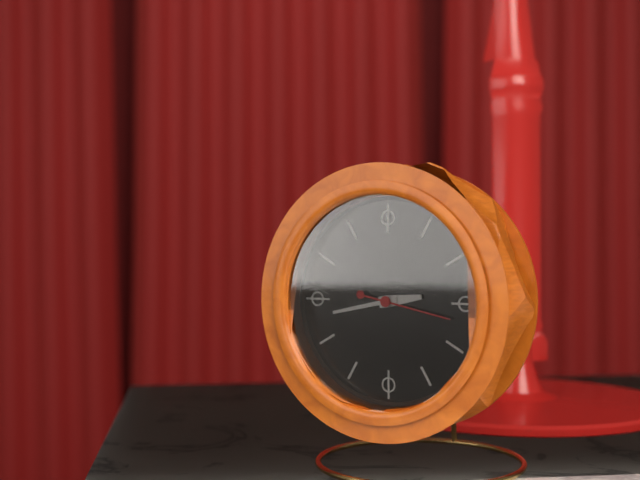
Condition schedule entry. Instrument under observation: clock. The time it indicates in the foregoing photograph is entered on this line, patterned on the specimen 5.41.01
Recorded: 2.43.17
